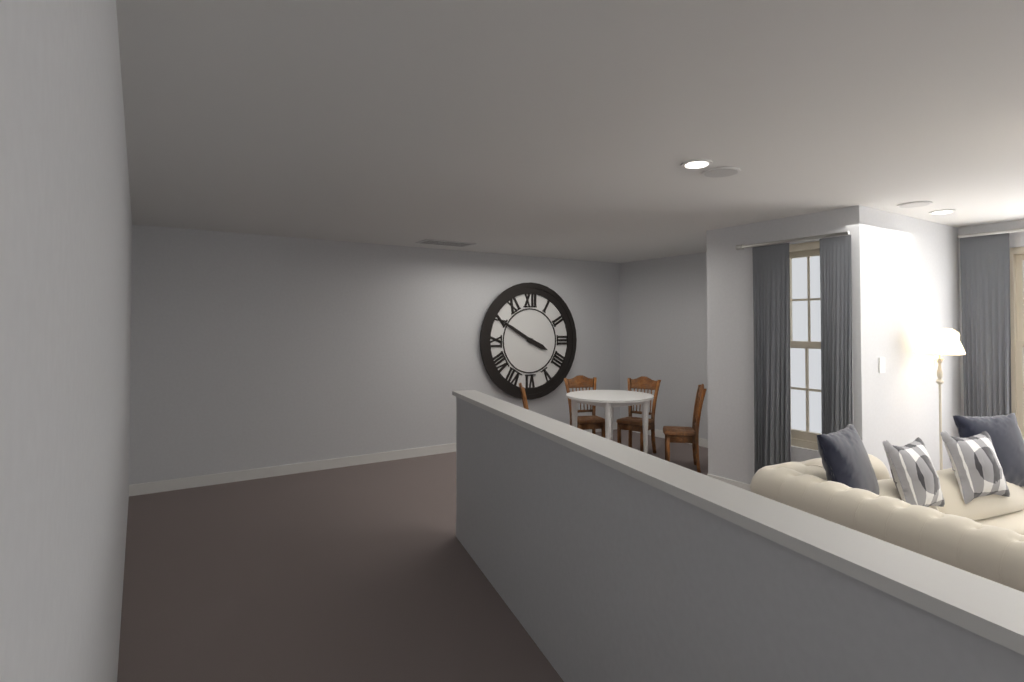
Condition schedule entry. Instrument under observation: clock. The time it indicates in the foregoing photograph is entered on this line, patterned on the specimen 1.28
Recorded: 3.50
